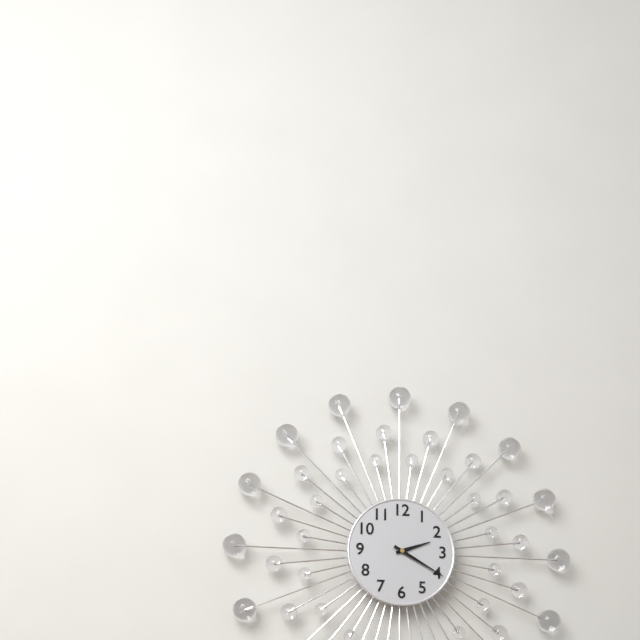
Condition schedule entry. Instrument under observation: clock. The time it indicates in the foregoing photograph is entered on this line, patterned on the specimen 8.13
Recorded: 2.20
